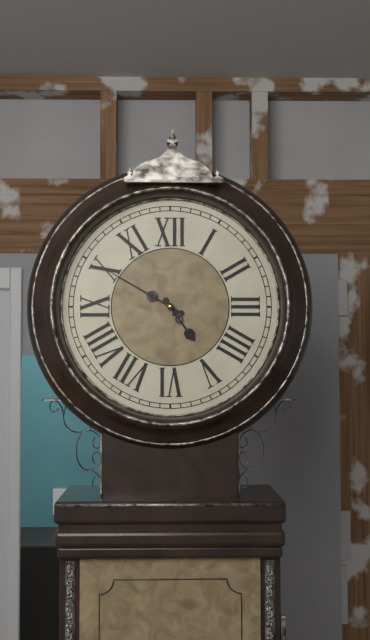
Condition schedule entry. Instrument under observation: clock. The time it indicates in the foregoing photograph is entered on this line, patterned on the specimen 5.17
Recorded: 4.50
